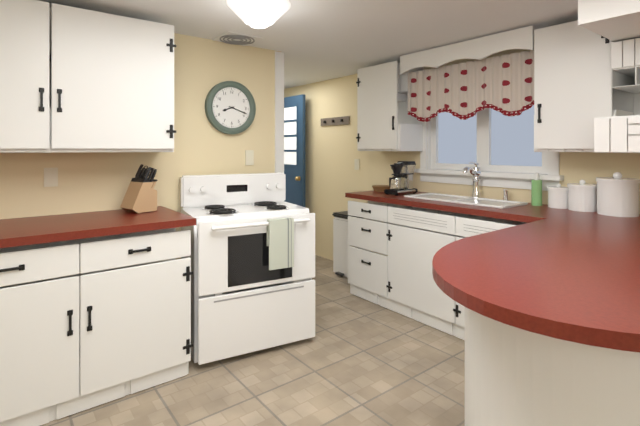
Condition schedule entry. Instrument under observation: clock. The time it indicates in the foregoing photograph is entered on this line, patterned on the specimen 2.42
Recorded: 8.18
